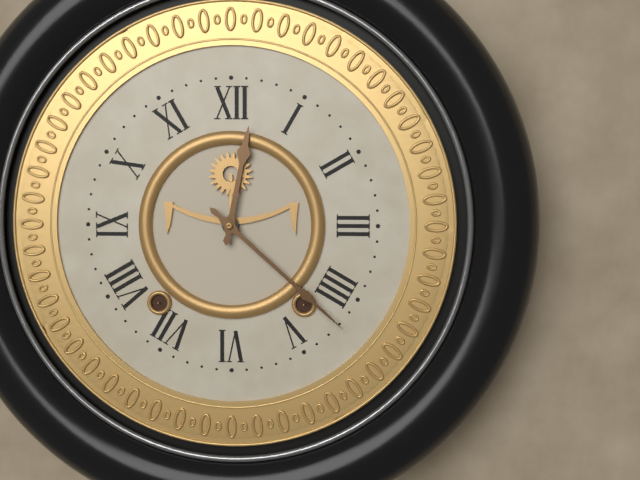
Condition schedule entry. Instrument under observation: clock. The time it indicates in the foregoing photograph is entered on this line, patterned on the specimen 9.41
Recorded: 12.22
